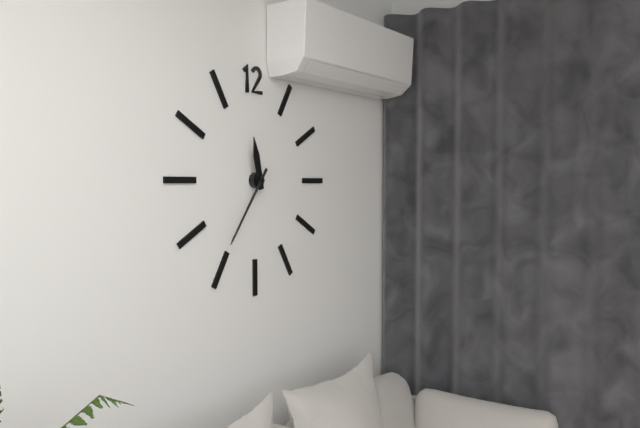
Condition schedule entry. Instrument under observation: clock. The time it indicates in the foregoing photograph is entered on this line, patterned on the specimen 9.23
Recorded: 11.36
